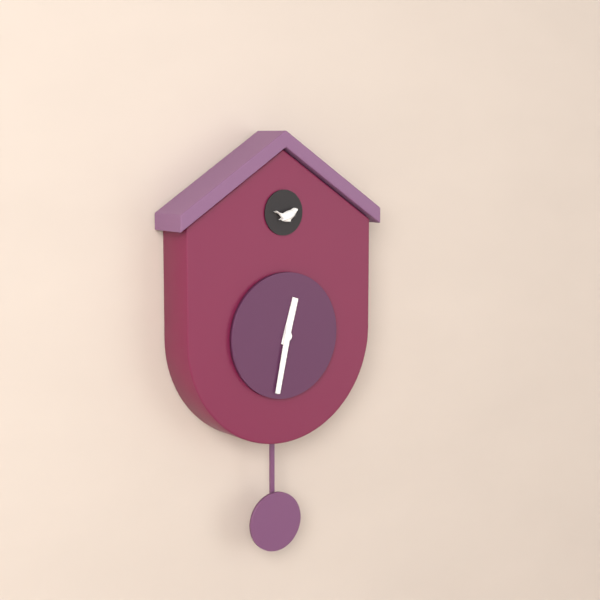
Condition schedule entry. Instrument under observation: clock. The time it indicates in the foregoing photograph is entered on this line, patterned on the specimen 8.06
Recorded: 12.32
